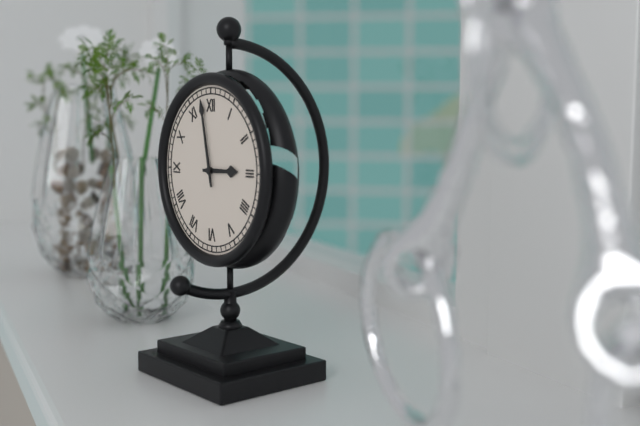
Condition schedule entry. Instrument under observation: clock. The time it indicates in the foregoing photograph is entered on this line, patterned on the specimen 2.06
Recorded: 2.58
